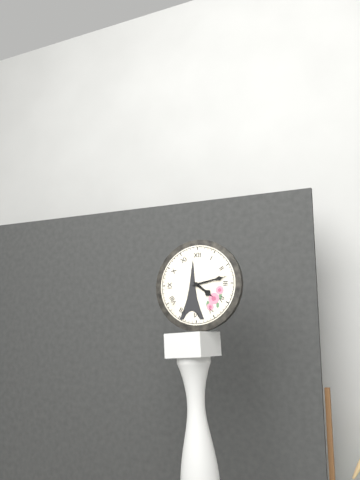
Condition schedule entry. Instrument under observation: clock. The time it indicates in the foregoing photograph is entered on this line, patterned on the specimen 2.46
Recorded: 4.13
